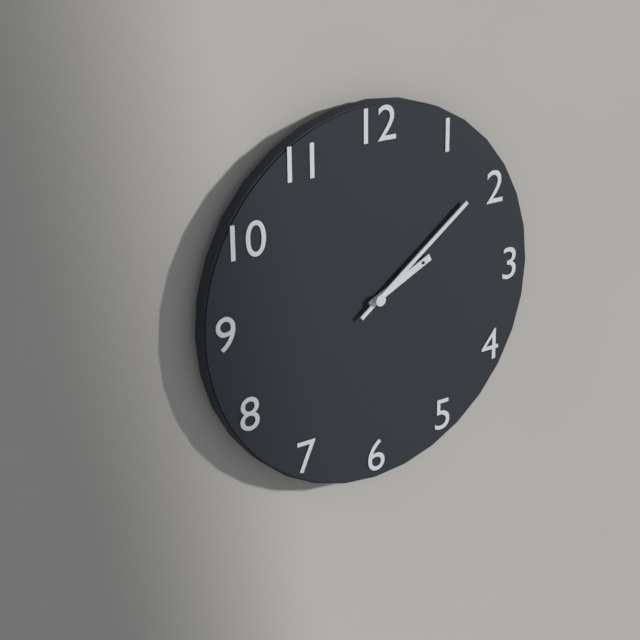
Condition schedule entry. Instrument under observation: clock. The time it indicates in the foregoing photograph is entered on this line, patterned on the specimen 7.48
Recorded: 2.09
